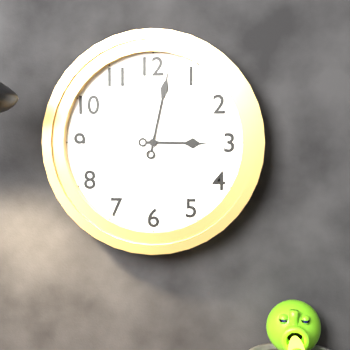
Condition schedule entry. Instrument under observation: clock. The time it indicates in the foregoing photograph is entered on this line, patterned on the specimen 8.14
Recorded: 3.02
